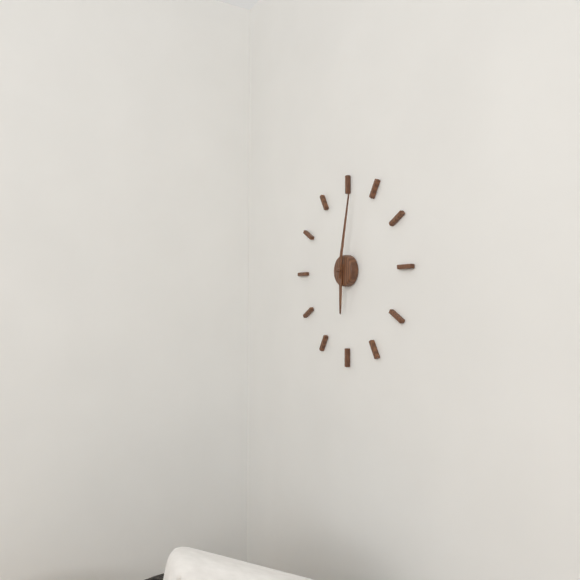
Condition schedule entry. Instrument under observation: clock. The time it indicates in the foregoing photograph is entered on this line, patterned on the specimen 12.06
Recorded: 6.02
